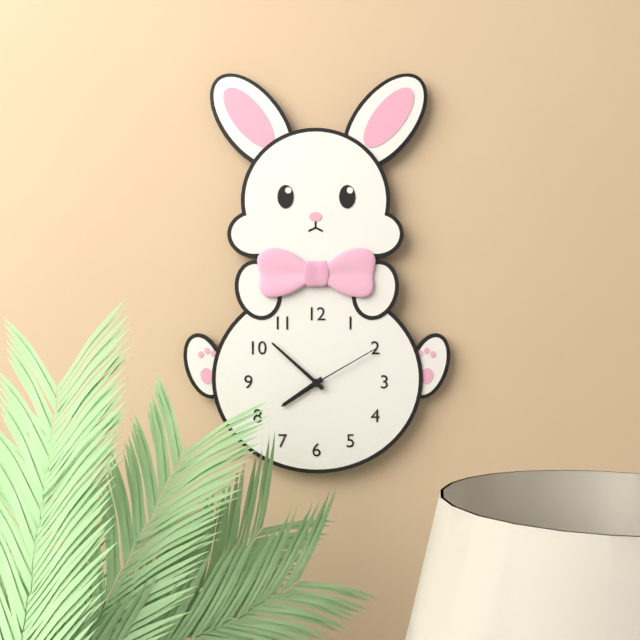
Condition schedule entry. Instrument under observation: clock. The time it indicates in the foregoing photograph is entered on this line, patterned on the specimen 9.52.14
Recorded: 7.52.10
